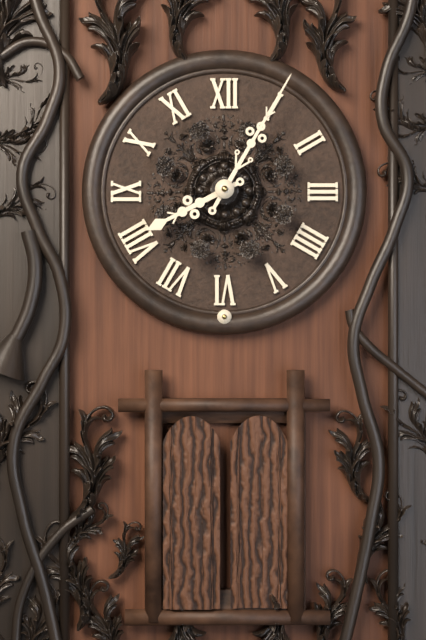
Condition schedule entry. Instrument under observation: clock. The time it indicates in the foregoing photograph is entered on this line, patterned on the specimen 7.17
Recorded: 8.05
